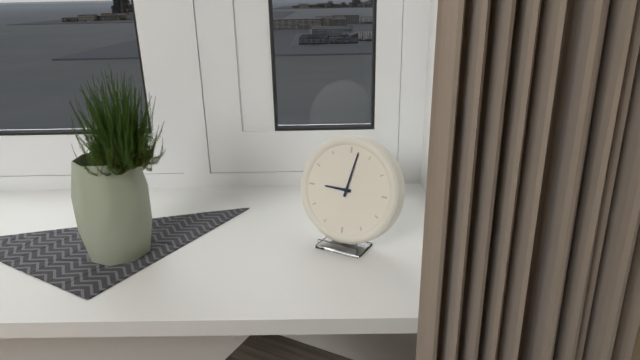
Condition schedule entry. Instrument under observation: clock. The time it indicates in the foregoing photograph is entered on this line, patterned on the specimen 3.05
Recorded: 9.02
